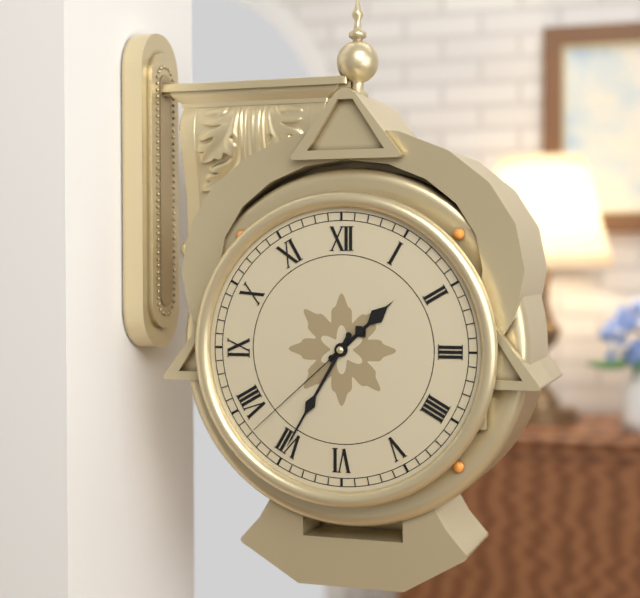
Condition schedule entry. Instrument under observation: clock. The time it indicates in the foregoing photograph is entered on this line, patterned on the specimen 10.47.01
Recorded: 1.35.38
